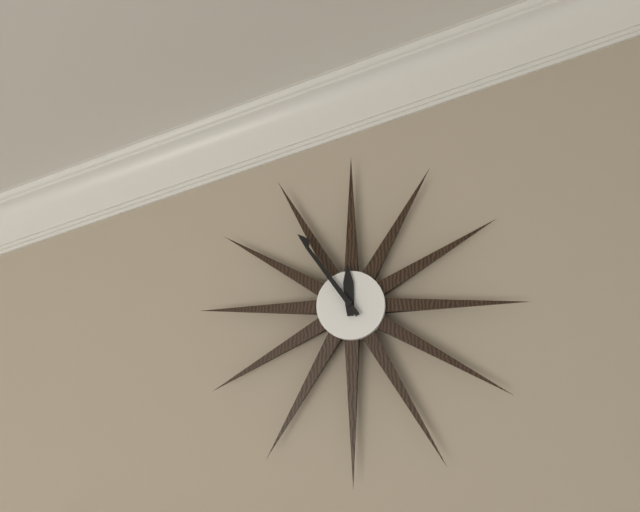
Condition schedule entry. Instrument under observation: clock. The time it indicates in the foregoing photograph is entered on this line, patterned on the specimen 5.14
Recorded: 11.54
